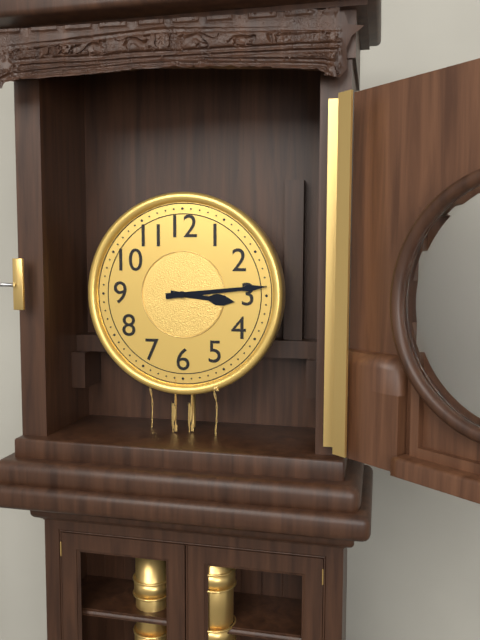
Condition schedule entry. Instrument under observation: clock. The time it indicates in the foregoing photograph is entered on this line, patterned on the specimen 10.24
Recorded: 3.14
